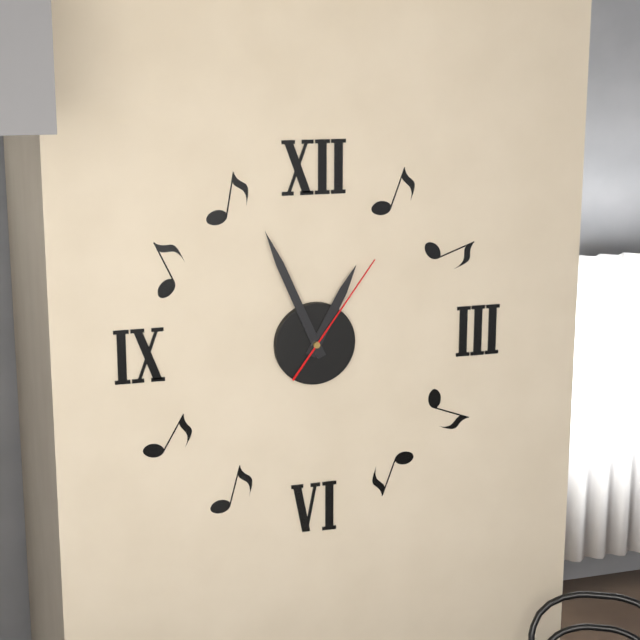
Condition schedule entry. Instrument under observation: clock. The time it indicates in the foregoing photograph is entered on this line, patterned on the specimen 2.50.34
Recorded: 12.56.06
